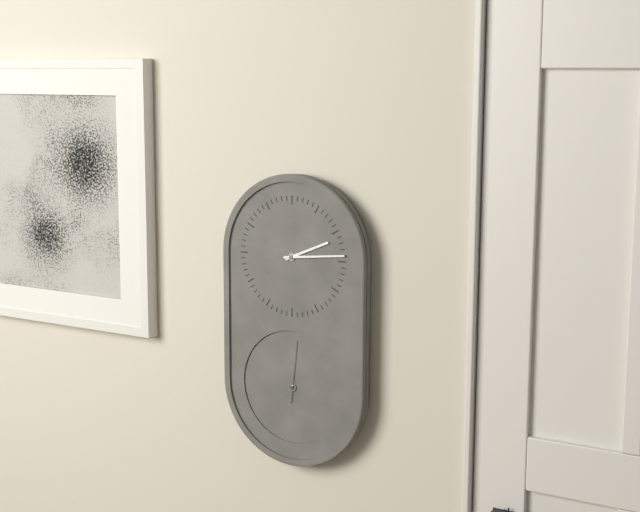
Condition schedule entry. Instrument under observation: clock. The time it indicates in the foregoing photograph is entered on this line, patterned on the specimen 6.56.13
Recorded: 2.14.01
